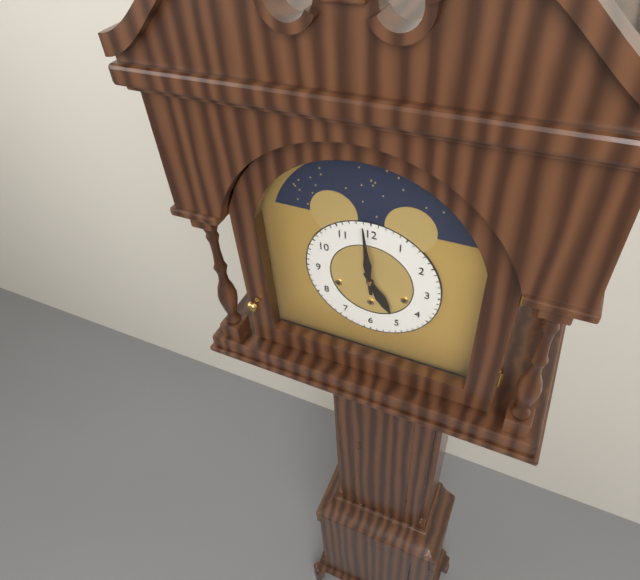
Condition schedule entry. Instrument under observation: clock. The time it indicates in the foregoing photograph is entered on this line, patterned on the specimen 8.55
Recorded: 4.59
